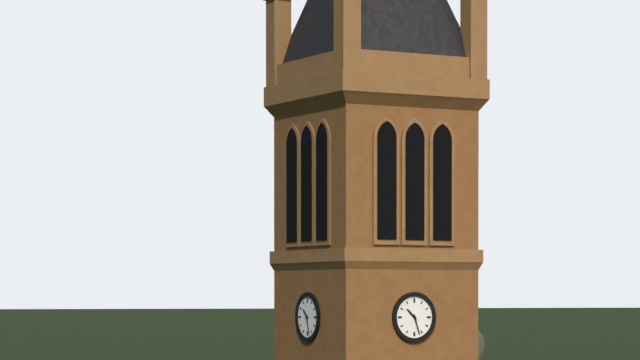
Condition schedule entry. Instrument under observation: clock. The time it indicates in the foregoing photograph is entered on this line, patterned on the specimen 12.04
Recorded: 10.27
